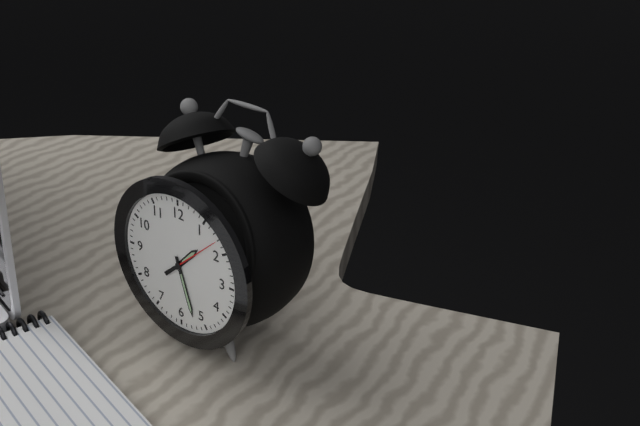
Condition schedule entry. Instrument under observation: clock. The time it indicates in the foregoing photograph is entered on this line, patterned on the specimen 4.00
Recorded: 1.27
